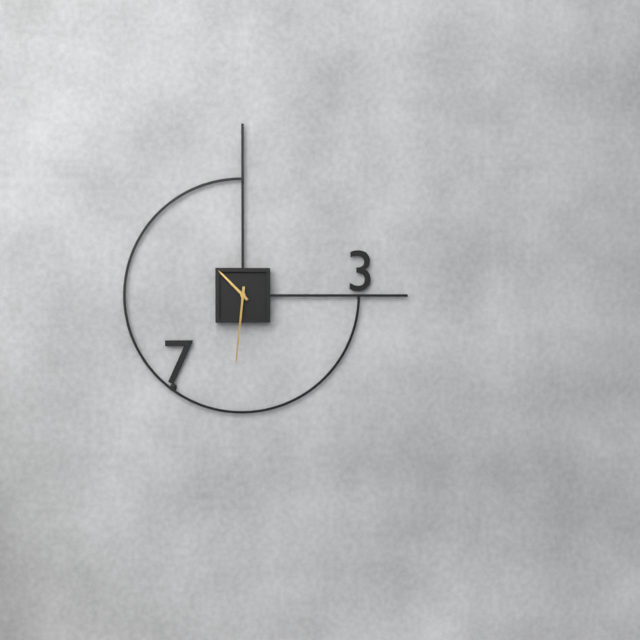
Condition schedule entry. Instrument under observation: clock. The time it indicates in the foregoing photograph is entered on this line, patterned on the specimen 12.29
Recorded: 10.31
